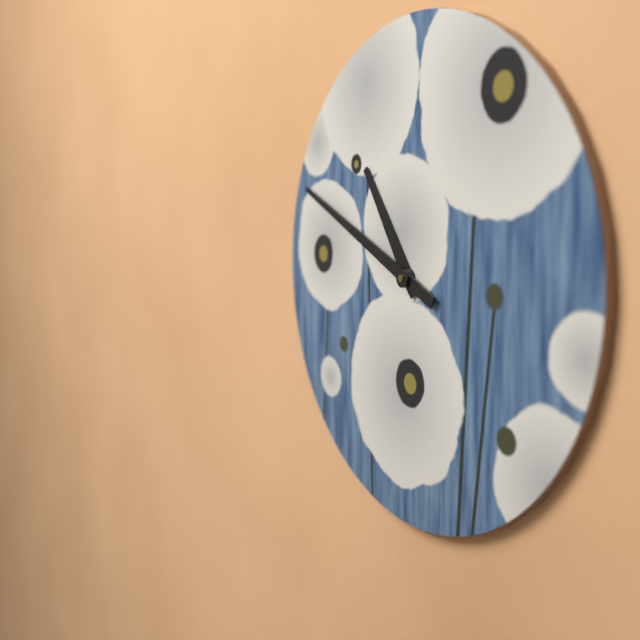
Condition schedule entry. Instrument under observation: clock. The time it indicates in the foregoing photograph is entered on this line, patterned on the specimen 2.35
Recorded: 10.49
